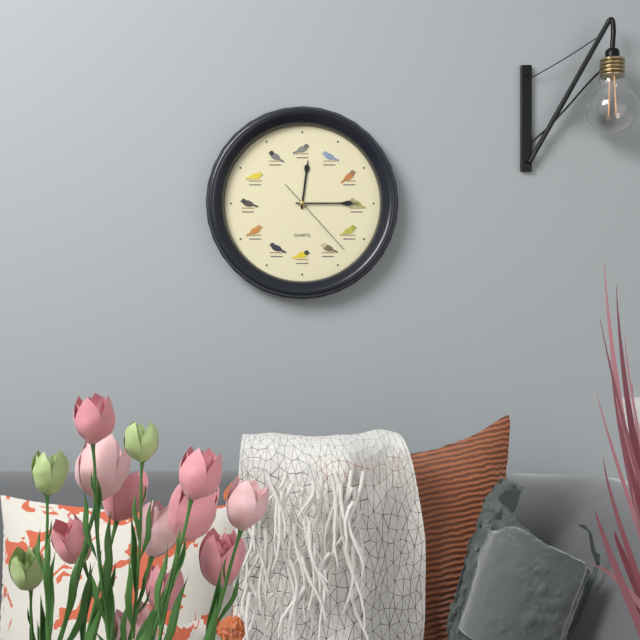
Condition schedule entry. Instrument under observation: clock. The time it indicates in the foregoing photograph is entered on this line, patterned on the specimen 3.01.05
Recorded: 12.15.23
